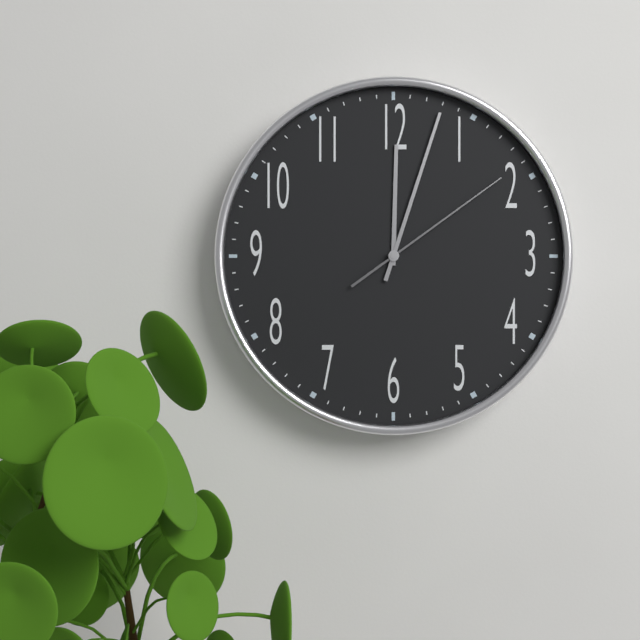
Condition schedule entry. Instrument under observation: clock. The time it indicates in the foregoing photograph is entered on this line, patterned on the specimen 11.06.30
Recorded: 12.03.09
